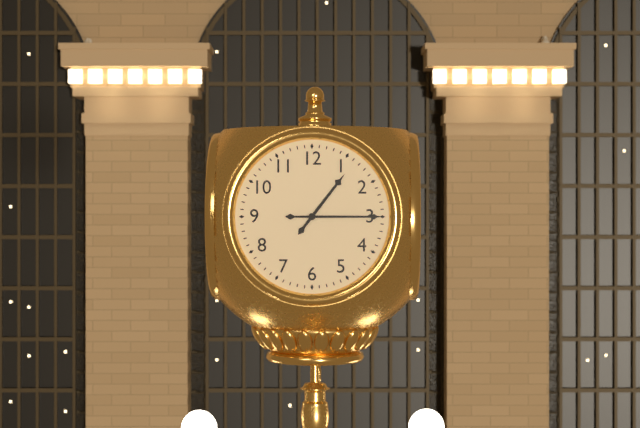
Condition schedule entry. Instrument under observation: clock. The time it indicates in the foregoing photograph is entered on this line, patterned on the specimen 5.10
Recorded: 1.15
